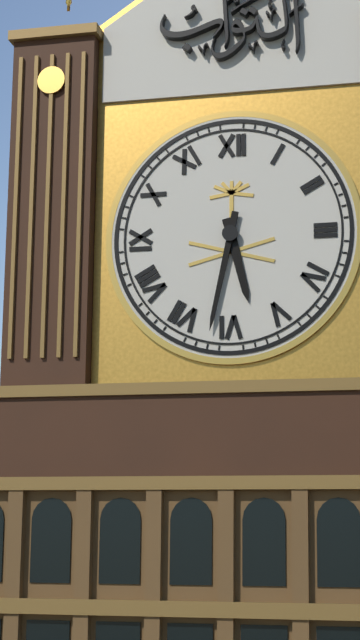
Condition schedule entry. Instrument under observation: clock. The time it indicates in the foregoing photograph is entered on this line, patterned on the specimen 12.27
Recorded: 5.32
